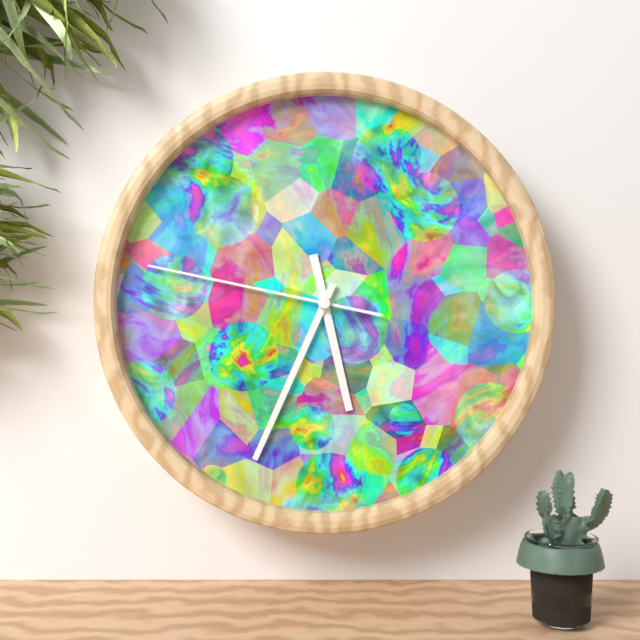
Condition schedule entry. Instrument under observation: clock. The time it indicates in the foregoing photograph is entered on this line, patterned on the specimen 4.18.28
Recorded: 5.34.47
